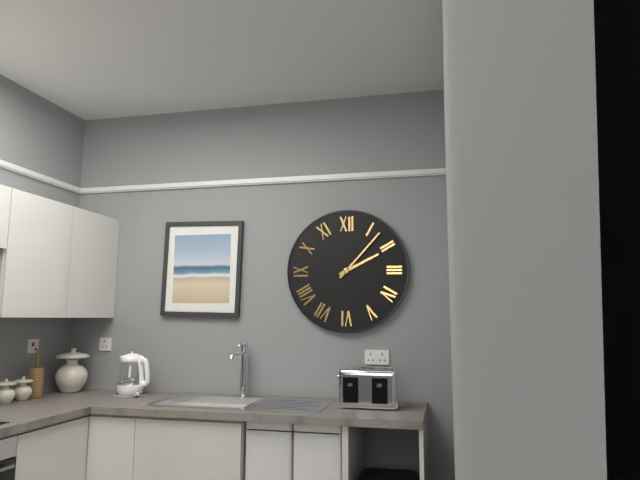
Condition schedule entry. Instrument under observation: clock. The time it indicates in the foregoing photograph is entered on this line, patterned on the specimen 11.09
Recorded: 2.07
